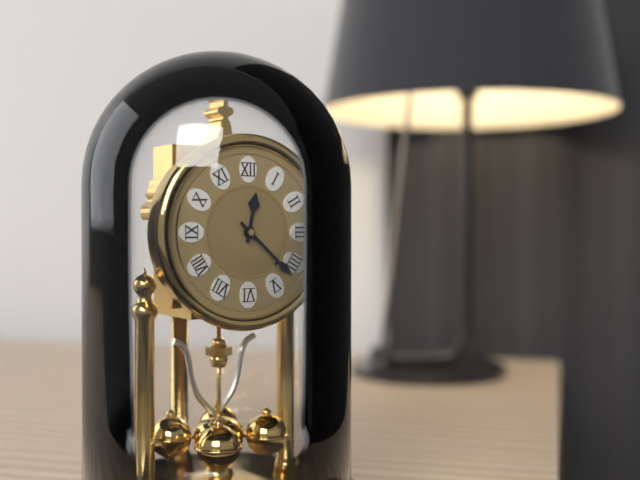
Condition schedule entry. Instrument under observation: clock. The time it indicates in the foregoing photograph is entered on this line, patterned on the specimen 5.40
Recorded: 12.22
